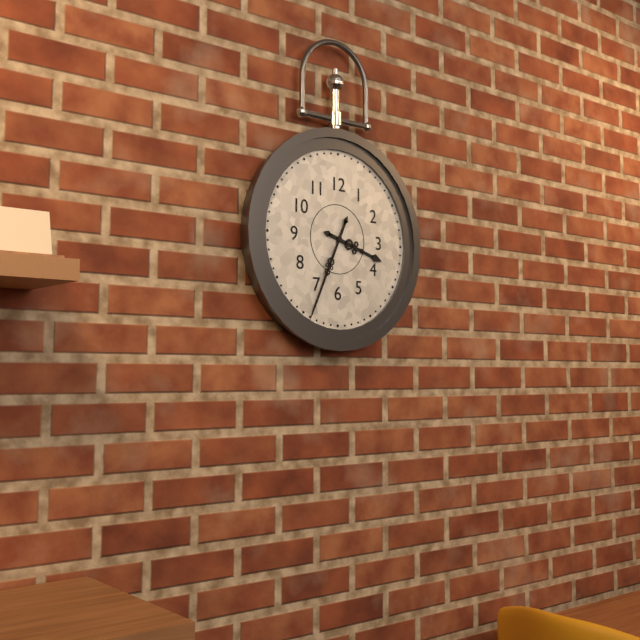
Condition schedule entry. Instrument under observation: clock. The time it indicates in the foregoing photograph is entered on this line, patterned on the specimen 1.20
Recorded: 3.34
